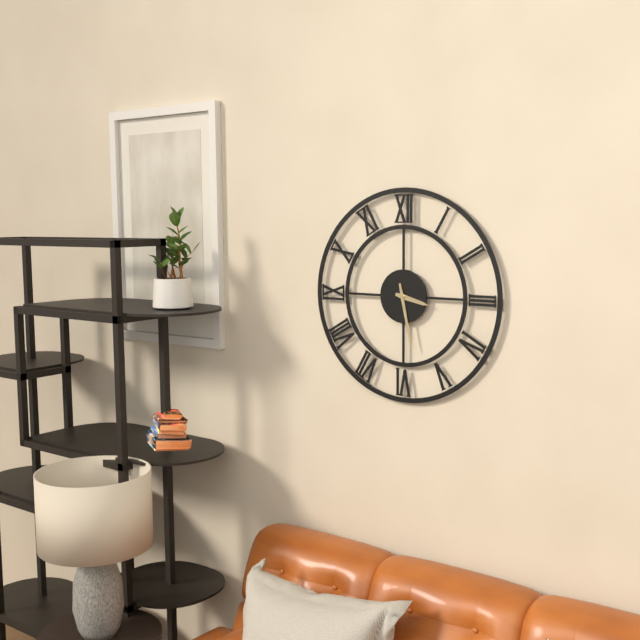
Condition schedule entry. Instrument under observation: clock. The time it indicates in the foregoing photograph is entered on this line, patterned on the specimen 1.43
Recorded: 3.28
